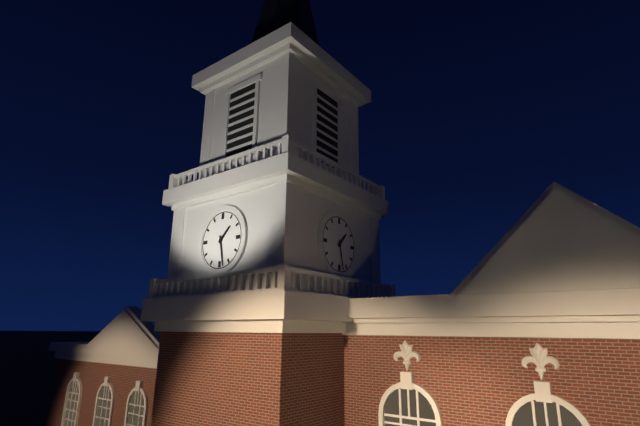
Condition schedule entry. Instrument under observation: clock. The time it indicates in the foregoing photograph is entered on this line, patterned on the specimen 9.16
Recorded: 1.28
